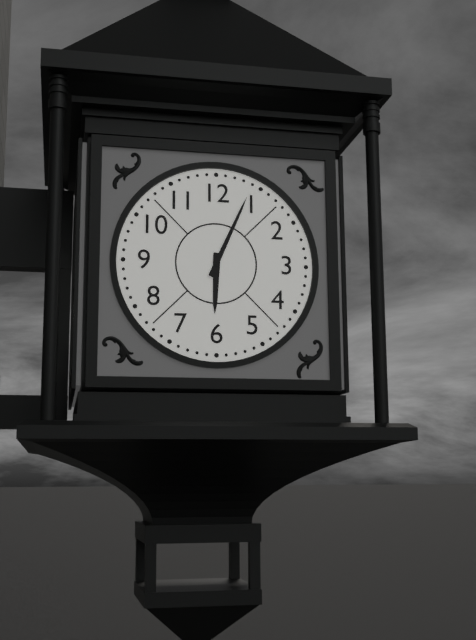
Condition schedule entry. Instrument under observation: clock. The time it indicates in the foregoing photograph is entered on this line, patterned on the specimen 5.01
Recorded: 6.04
